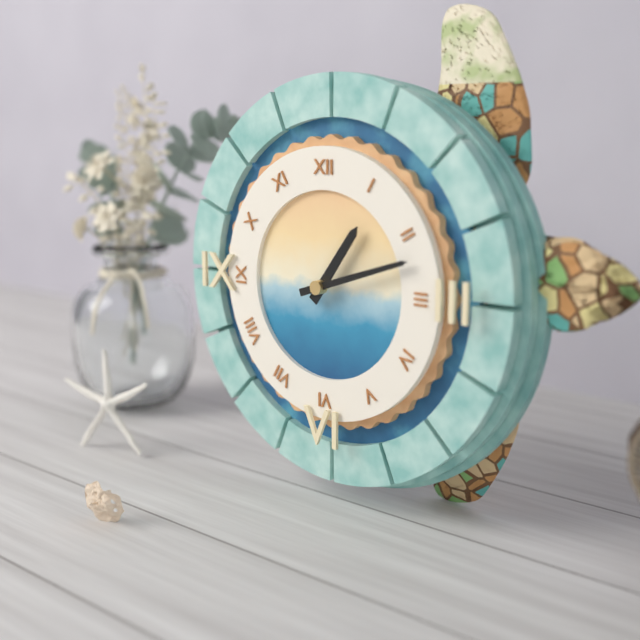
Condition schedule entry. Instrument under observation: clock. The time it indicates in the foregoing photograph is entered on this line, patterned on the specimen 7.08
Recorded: 1.12
